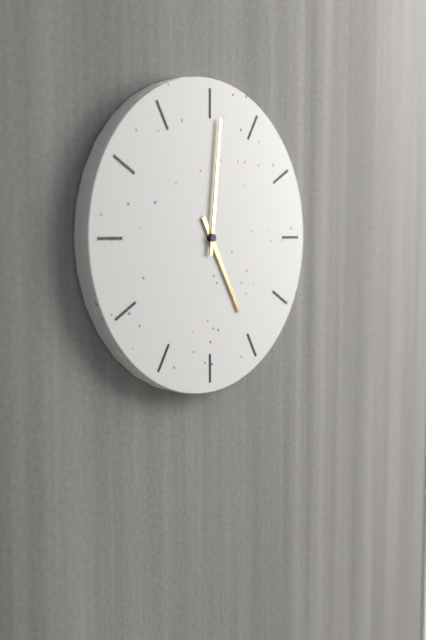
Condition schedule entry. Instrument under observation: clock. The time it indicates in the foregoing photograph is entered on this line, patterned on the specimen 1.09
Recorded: 5.01
